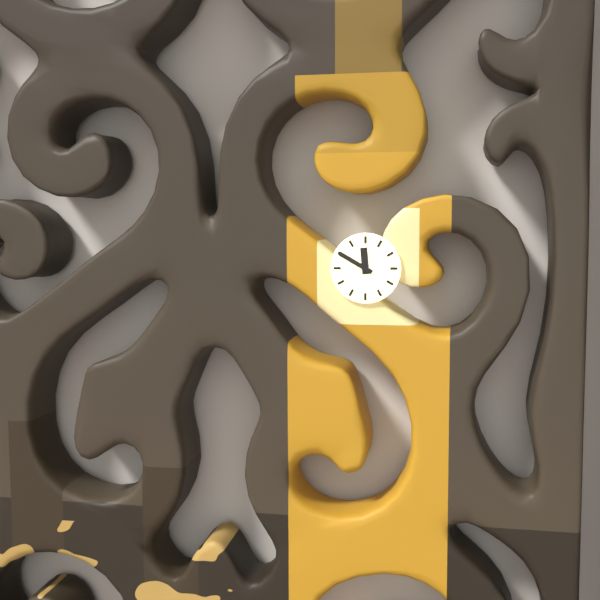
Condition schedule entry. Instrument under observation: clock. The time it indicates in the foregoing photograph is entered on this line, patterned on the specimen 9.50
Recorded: 11.50
